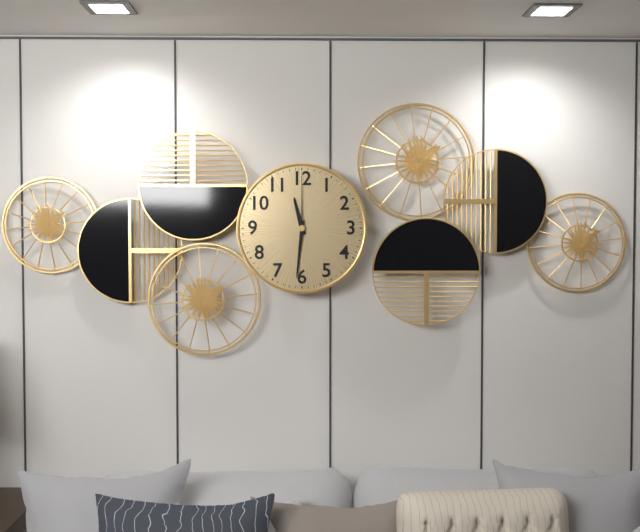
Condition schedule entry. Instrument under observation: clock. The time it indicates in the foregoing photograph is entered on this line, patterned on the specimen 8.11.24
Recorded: 11.31.00
